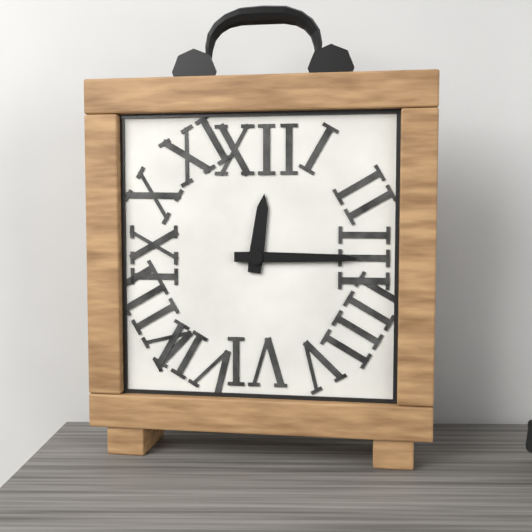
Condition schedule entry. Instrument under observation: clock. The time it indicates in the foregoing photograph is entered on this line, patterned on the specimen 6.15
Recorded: 12.15
